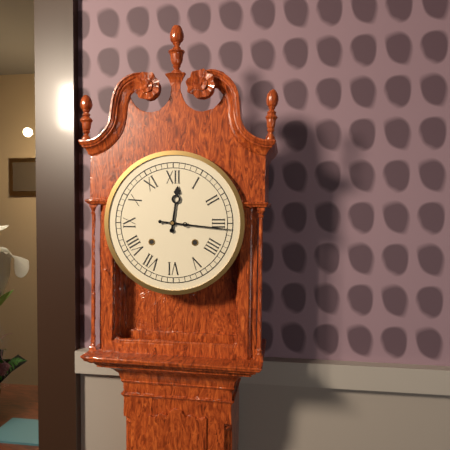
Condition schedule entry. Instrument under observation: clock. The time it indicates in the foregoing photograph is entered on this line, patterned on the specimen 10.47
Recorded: 12.16
